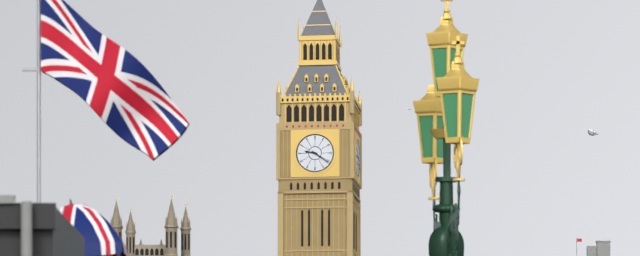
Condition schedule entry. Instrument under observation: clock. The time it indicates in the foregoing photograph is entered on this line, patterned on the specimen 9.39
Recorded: 9.21
